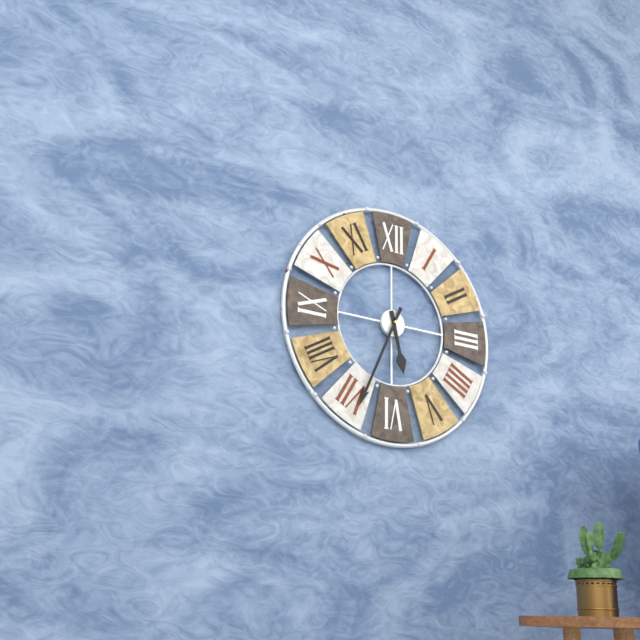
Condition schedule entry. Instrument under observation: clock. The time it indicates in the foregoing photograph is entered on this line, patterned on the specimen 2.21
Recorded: 5.34
